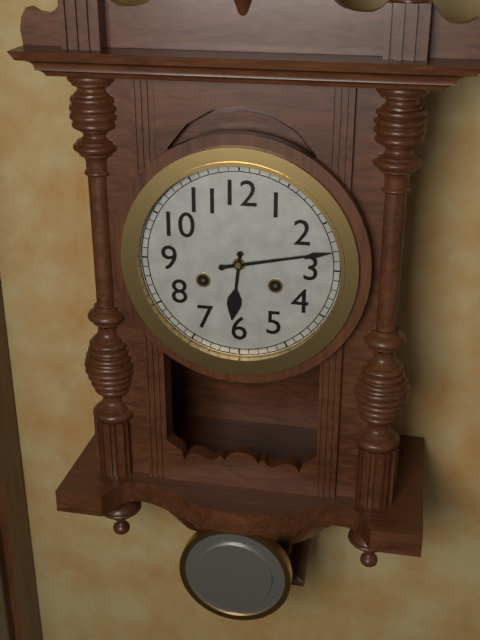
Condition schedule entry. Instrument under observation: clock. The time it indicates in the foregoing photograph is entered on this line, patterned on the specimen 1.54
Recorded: 6.13
